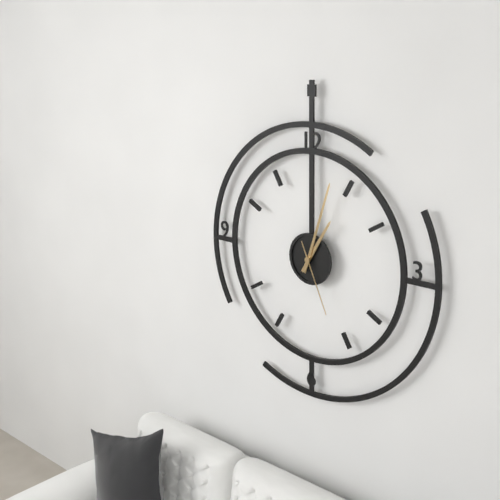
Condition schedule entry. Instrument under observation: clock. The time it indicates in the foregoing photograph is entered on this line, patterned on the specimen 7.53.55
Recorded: 1.03.26
